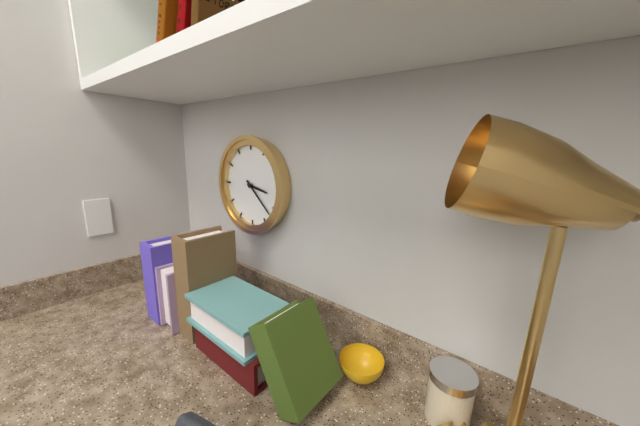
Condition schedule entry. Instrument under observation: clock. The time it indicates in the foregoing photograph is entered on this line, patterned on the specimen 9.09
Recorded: 3.22
